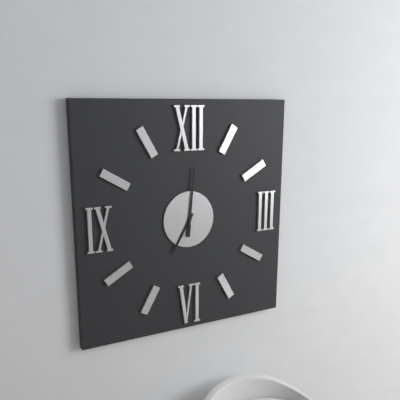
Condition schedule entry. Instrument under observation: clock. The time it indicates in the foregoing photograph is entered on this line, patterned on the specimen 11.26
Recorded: 7.01
